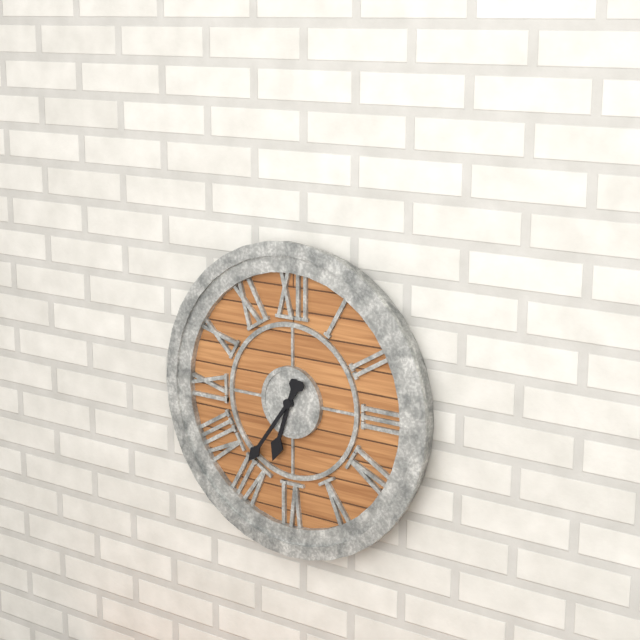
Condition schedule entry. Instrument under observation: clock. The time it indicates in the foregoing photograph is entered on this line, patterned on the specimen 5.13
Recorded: 6.36
